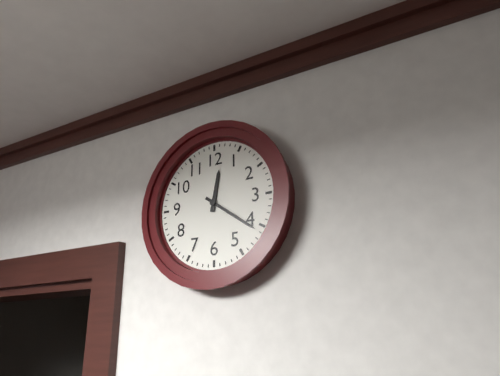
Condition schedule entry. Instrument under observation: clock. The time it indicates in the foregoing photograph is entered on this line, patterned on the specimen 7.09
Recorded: 12.21
